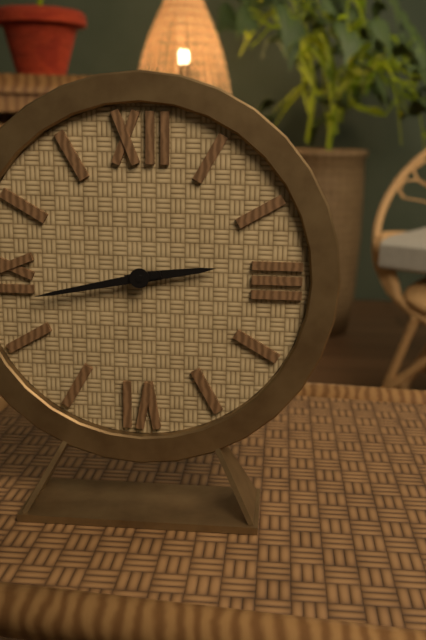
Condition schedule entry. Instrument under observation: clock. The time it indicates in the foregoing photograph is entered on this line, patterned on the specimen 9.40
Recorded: 2.43
